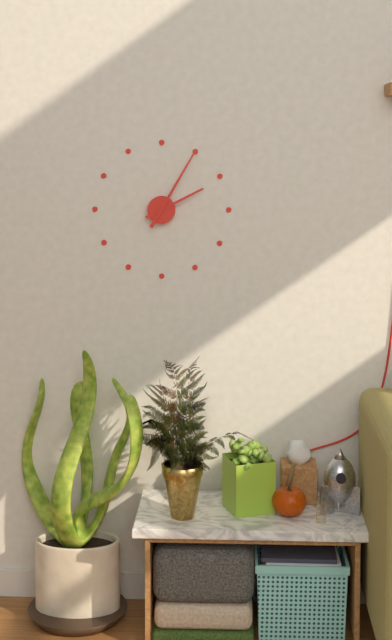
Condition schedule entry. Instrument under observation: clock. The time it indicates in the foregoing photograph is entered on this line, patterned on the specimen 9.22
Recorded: 2.05
